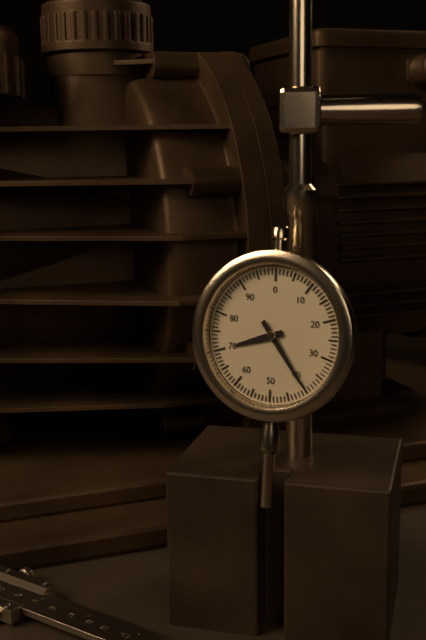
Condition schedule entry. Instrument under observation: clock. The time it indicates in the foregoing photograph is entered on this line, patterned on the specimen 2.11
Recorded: 8.24
